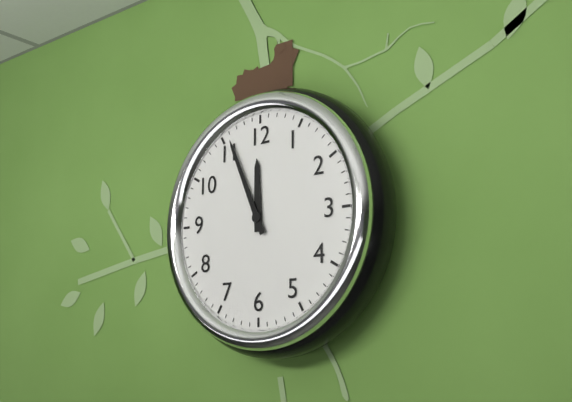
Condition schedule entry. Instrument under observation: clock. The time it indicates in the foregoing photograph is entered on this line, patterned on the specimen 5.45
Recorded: 11.56
